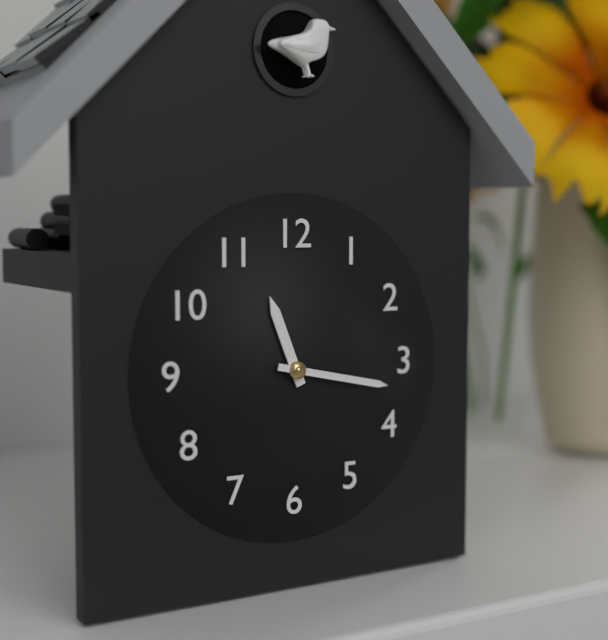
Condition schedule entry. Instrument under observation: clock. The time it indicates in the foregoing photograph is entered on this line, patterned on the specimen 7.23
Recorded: 11.17
